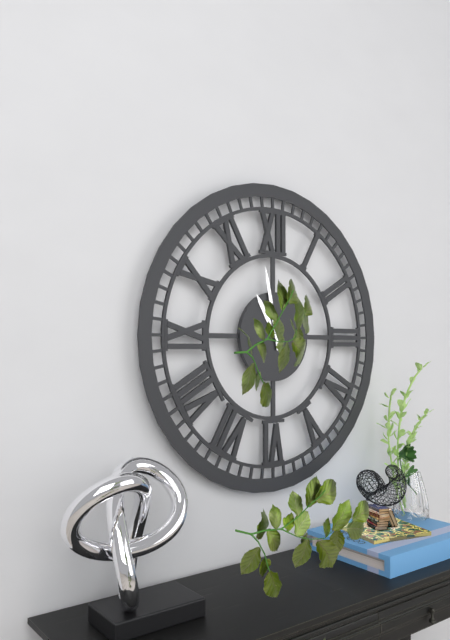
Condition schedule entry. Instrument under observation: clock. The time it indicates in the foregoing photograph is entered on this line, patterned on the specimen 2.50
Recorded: 10.58
